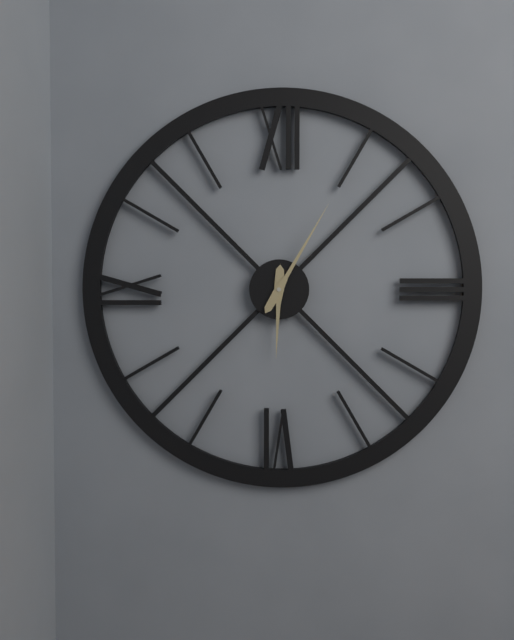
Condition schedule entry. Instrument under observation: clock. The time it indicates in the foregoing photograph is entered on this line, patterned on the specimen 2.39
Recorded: 6.05
